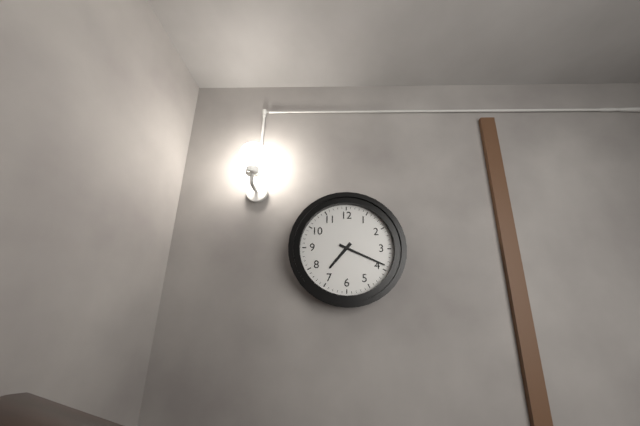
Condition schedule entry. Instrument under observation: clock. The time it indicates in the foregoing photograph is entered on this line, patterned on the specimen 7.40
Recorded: 7.19
